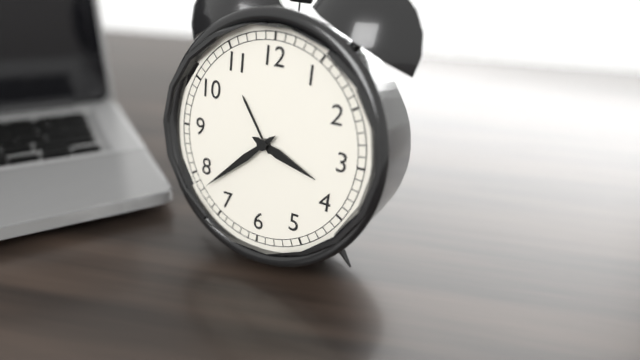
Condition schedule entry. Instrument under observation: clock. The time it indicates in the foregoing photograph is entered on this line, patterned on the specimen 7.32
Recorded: 3.38
